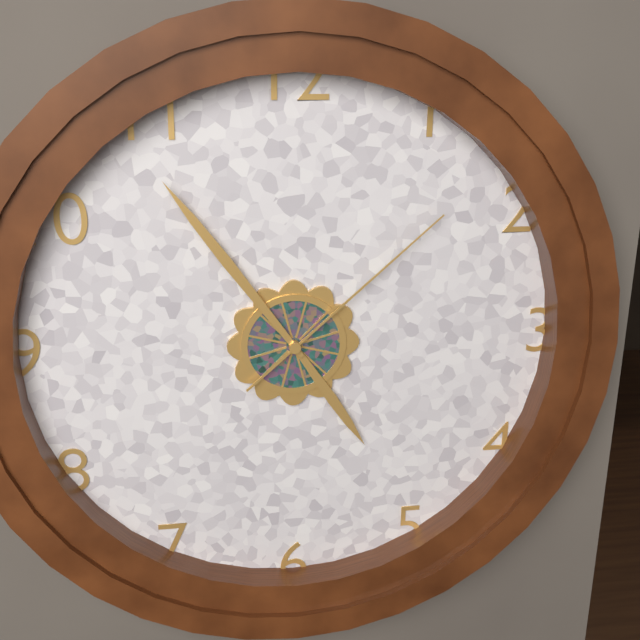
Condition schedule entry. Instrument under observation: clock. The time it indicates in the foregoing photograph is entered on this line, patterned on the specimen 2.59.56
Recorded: 4.54.08
